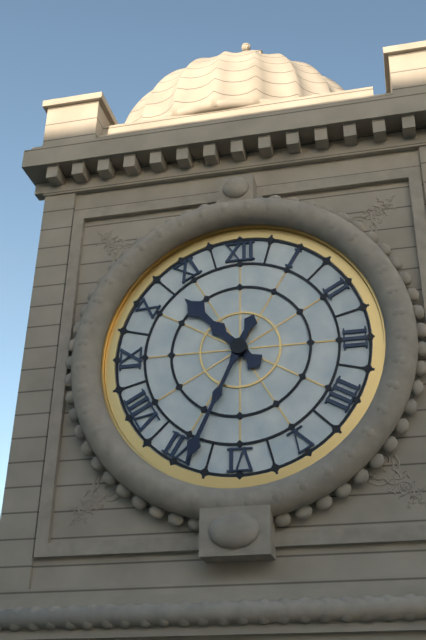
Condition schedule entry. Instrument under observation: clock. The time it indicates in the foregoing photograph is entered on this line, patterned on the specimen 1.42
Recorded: 10.34
